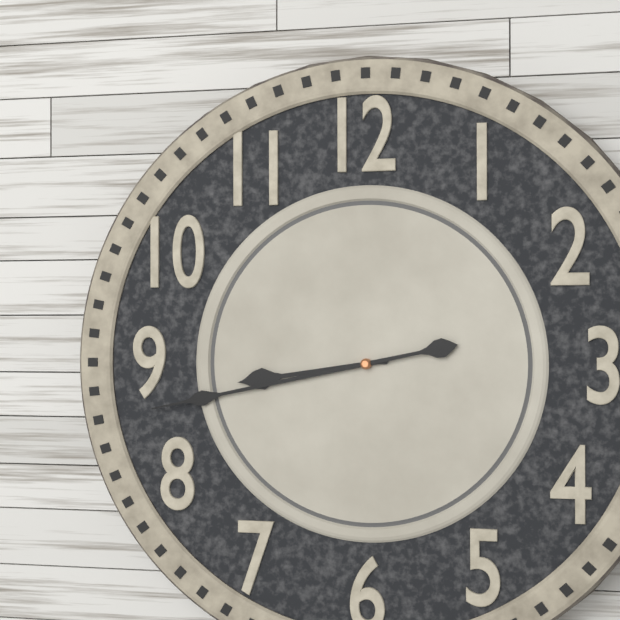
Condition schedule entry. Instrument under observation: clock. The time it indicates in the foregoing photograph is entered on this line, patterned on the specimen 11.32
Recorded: 8.43
